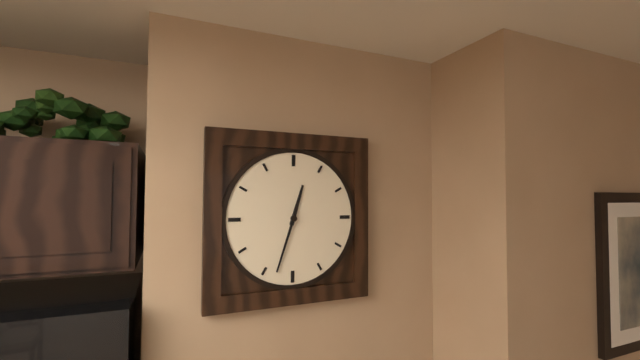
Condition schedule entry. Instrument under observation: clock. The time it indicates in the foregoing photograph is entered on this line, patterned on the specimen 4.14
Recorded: 12.33
